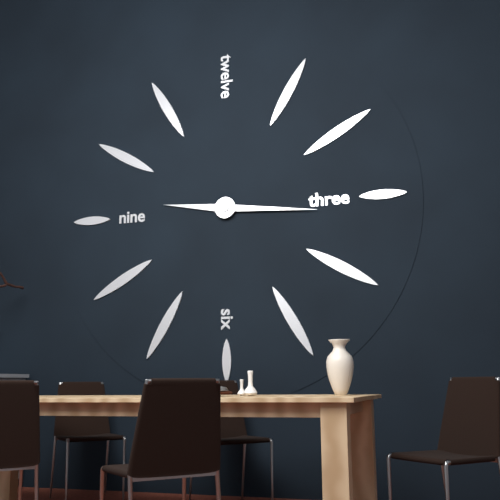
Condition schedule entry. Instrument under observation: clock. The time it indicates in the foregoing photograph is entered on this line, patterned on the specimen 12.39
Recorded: 9.16
